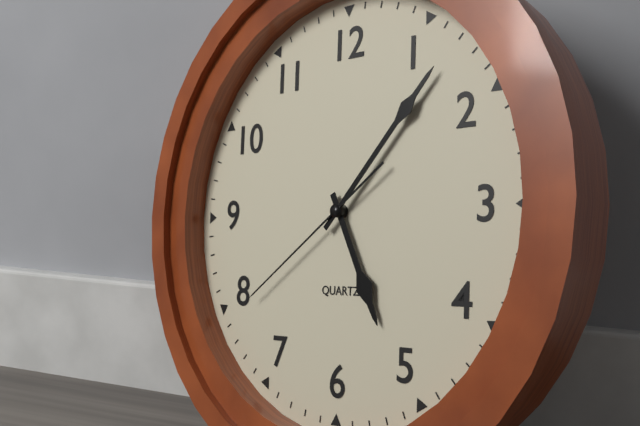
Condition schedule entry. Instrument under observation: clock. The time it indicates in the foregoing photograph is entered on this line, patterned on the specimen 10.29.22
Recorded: 5.07.39
